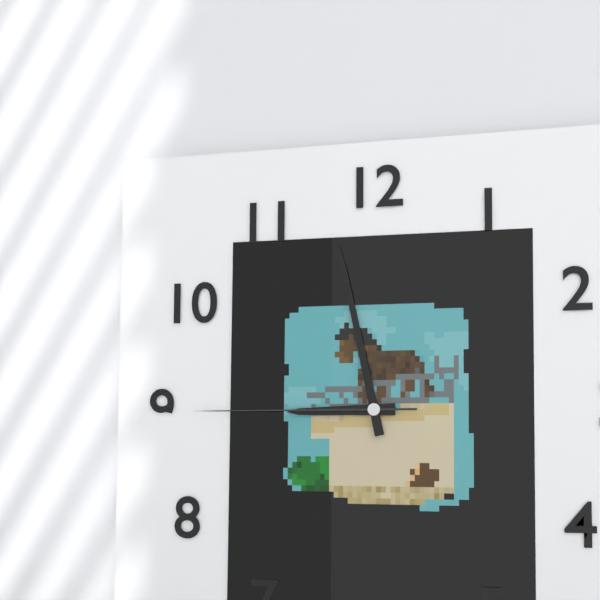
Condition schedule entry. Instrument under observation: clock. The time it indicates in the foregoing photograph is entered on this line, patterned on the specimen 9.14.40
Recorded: 8.58.45
